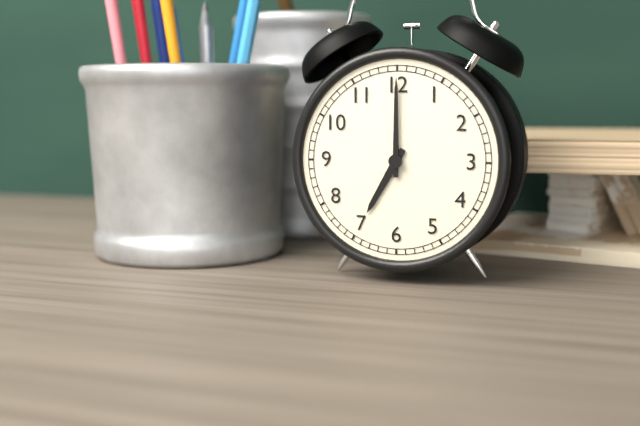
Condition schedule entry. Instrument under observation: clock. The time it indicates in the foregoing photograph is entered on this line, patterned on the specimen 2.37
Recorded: 7.00
